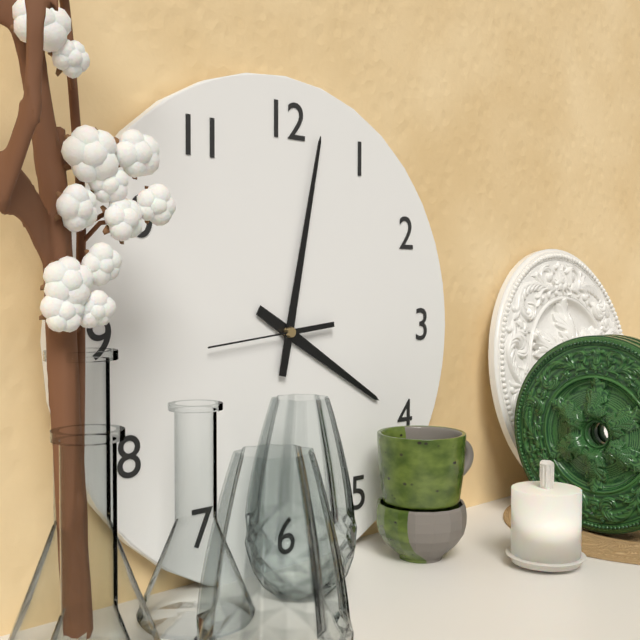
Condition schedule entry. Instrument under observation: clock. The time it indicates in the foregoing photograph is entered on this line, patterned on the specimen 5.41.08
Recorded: 4.02.44
